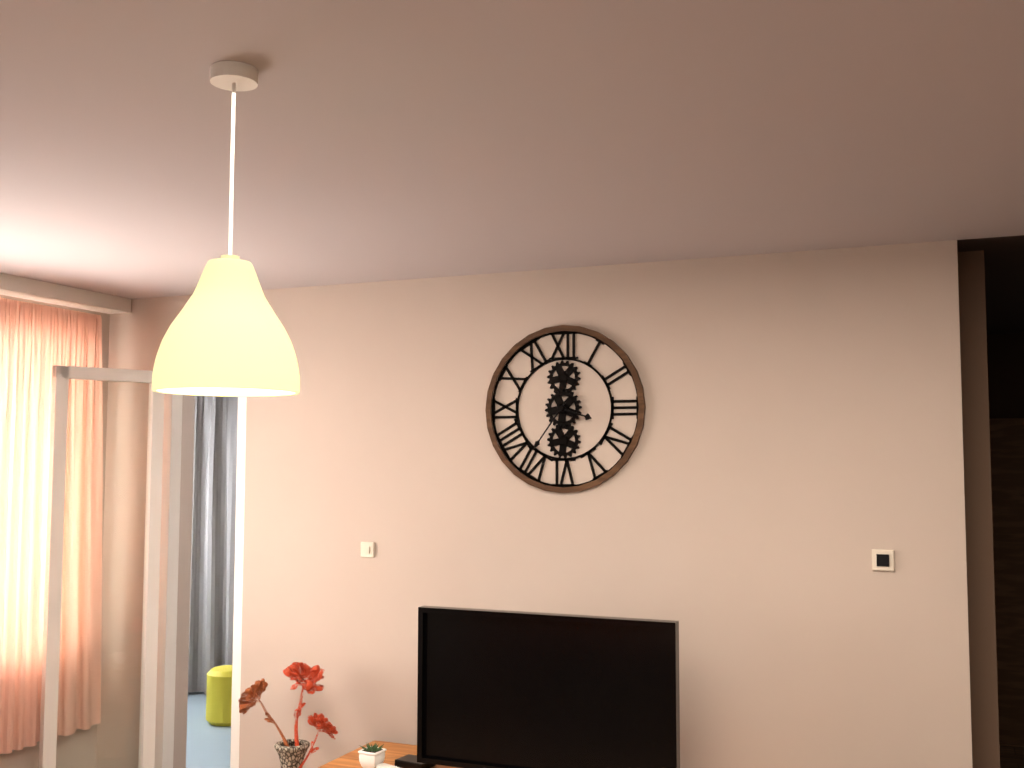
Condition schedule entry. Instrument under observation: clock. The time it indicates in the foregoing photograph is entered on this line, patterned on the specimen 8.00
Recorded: 3.36
